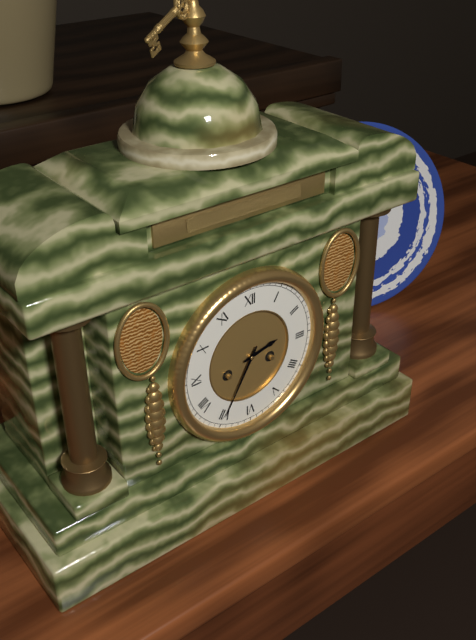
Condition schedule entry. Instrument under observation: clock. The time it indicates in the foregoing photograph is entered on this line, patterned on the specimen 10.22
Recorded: 2.35
